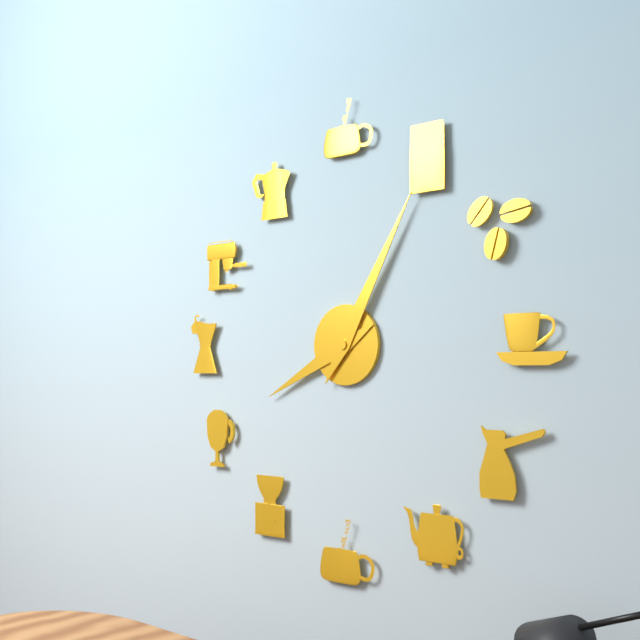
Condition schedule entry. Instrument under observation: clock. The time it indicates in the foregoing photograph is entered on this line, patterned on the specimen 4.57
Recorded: 8.05
